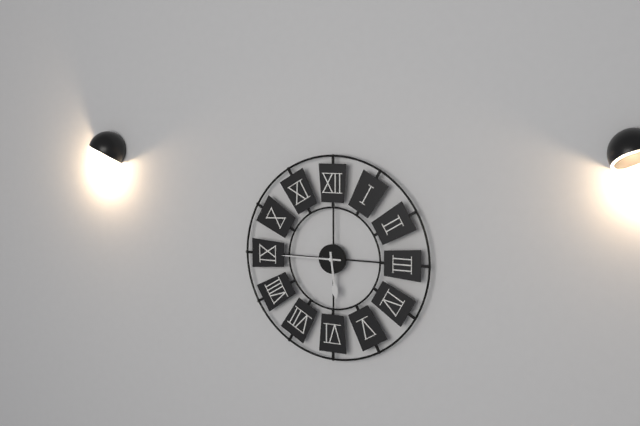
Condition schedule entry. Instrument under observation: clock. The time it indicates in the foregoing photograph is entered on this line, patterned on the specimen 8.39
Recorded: 5.45
